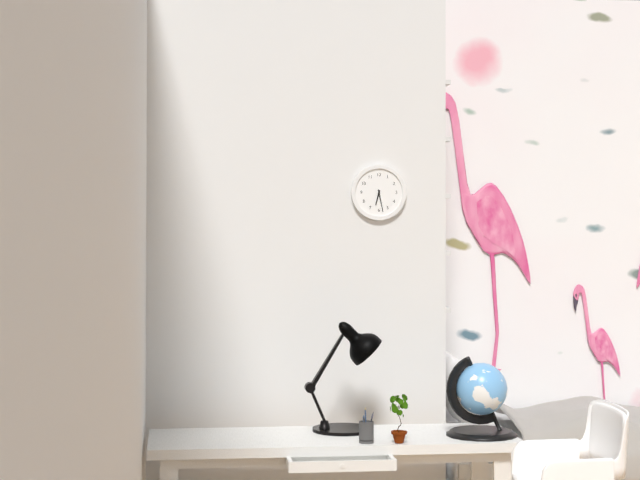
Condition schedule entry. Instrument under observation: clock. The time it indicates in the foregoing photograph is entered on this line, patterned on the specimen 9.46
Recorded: 6.28
